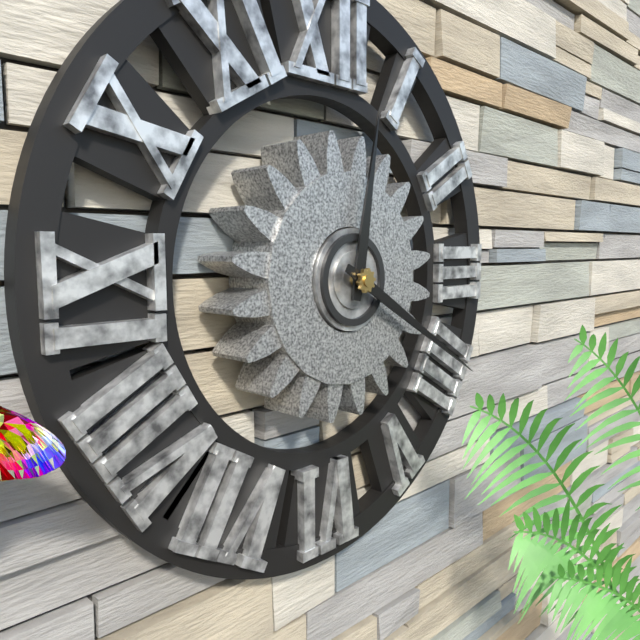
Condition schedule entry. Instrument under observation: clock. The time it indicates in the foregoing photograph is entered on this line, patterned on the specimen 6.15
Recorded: 12.20
